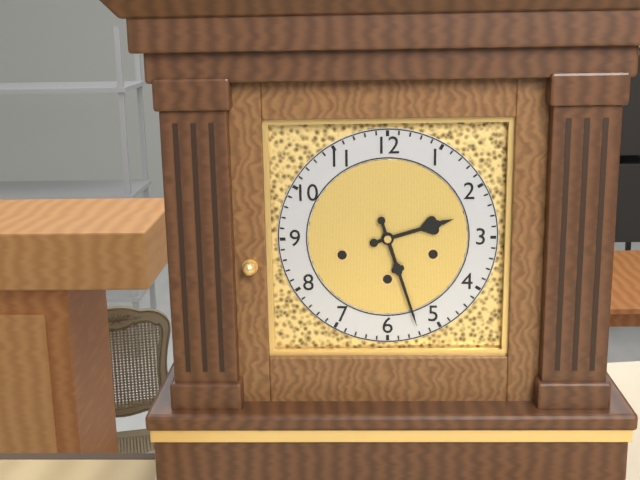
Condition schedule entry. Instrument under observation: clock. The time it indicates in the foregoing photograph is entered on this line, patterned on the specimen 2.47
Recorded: 2.27
